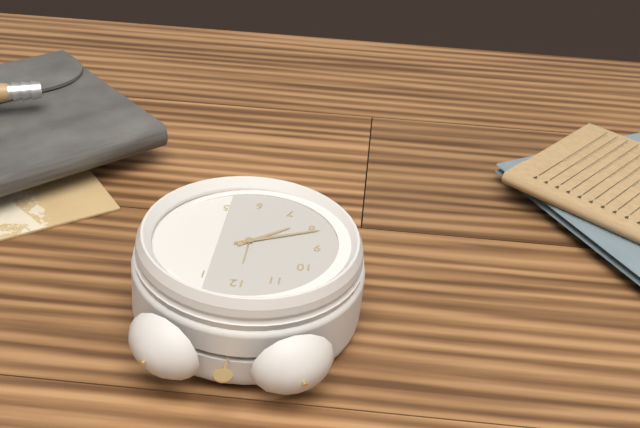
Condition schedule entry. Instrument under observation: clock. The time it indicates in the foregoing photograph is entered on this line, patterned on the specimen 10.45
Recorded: 7.41
